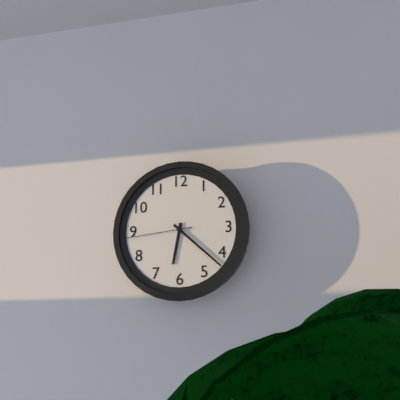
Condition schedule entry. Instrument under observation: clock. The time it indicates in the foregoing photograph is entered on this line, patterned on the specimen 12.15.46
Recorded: 6.22.44
